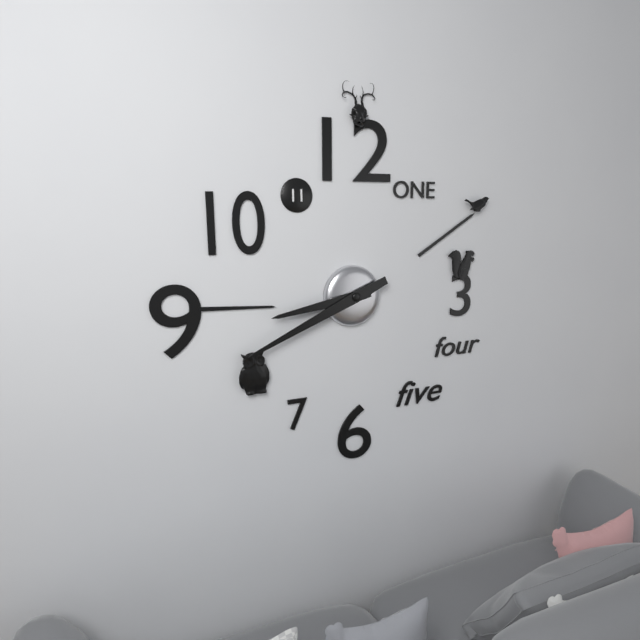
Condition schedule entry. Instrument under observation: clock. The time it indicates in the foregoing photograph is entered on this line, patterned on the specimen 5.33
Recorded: 8.41
